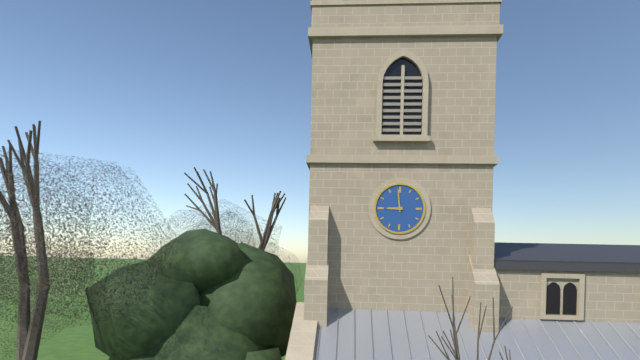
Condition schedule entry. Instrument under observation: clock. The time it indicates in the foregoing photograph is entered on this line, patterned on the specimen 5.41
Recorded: 8.59
